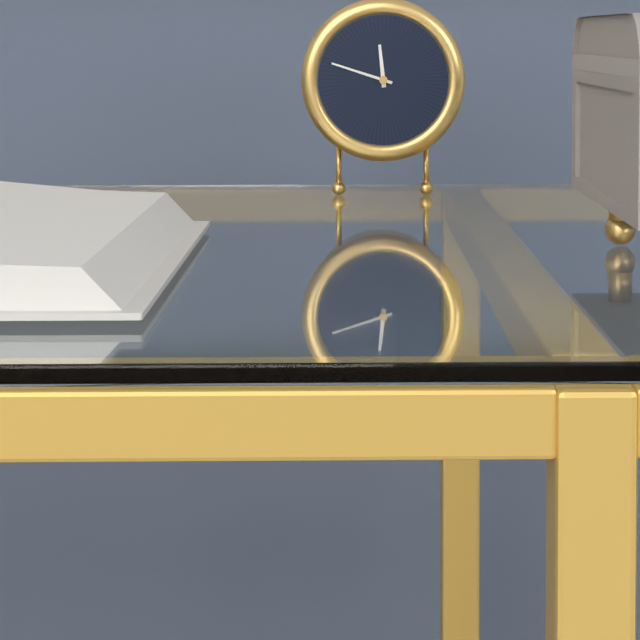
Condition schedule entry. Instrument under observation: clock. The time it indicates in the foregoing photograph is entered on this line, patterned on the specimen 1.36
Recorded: 11.48
